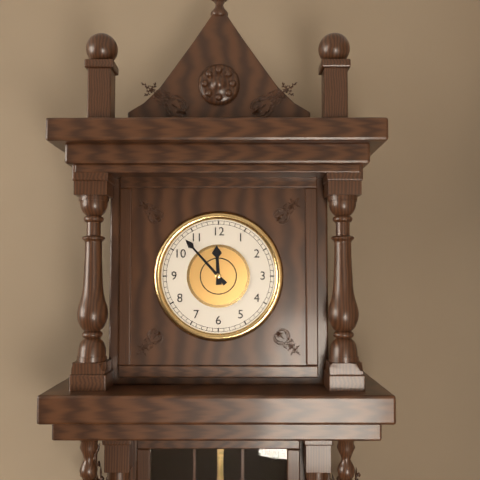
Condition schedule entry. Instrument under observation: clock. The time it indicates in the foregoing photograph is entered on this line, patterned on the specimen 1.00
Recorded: 11.53
